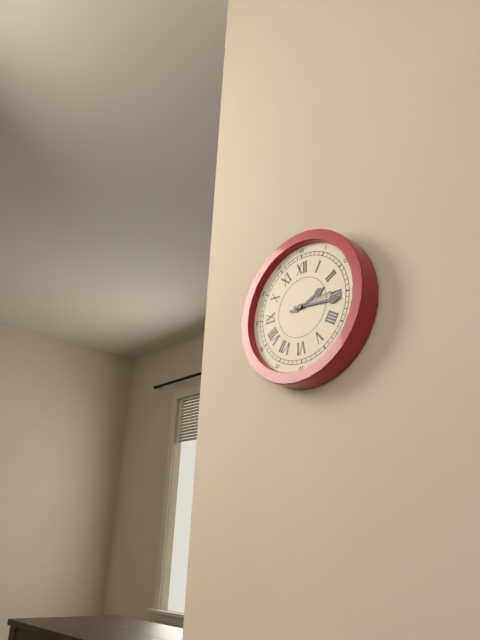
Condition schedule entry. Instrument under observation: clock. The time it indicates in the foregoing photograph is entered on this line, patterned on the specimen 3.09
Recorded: 2.16
